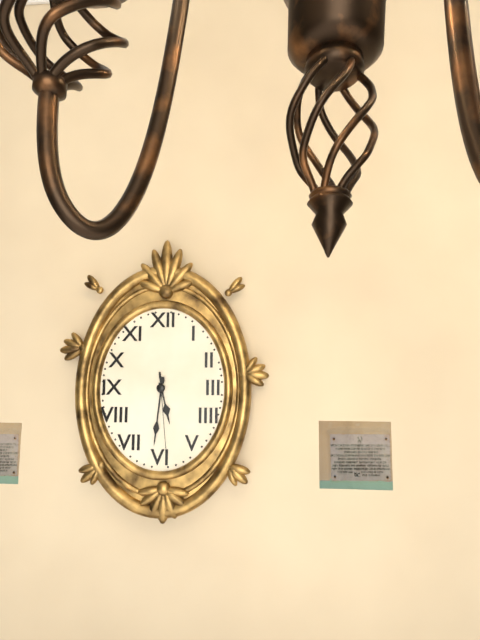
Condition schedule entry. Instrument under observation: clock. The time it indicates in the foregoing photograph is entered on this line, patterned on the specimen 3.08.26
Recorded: 5.31.29
